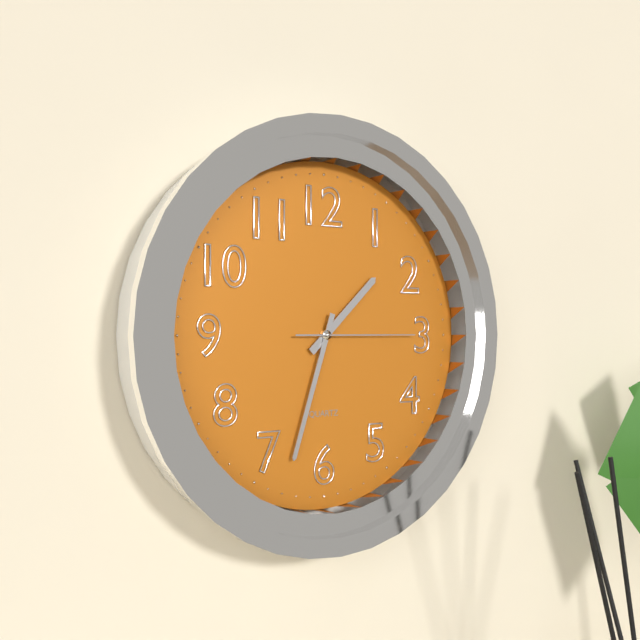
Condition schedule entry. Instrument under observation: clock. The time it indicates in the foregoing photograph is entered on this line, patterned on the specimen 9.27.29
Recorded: 1.33.15
